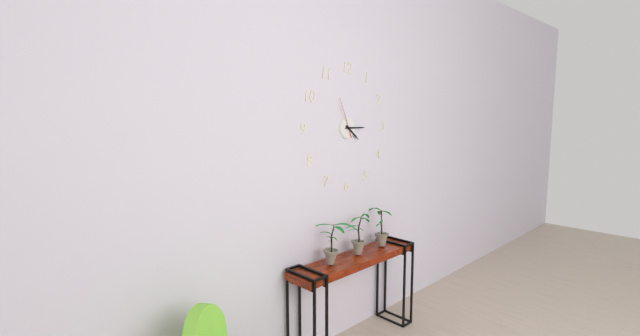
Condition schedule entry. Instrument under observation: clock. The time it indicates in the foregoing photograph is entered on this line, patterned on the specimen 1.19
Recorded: 4.15
